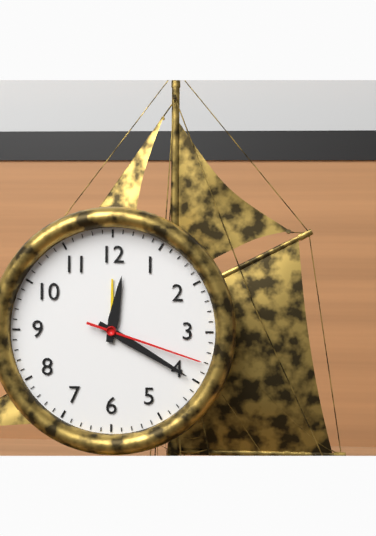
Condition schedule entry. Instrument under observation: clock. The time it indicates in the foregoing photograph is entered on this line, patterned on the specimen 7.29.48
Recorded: 12.20.18
